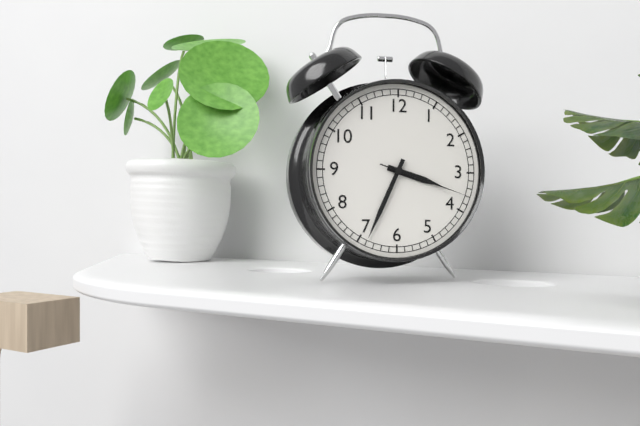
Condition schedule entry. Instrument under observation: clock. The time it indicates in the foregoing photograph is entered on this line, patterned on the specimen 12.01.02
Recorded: 3.34.18
